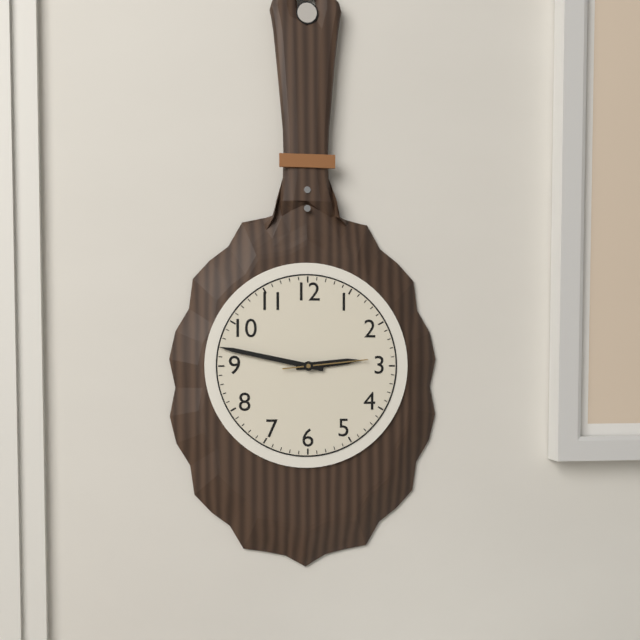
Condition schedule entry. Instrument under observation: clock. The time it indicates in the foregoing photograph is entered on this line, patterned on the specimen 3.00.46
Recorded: 2.47.14
